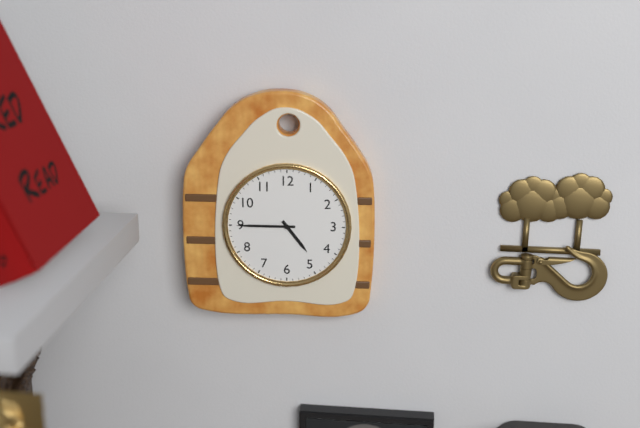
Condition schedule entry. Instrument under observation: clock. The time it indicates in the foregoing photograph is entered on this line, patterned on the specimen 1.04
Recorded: 4.45
